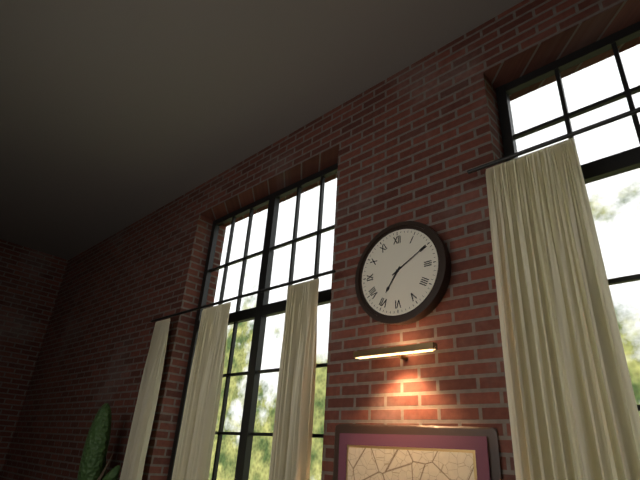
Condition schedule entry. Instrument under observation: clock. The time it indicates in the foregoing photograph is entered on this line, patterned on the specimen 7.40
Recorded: 7.10
